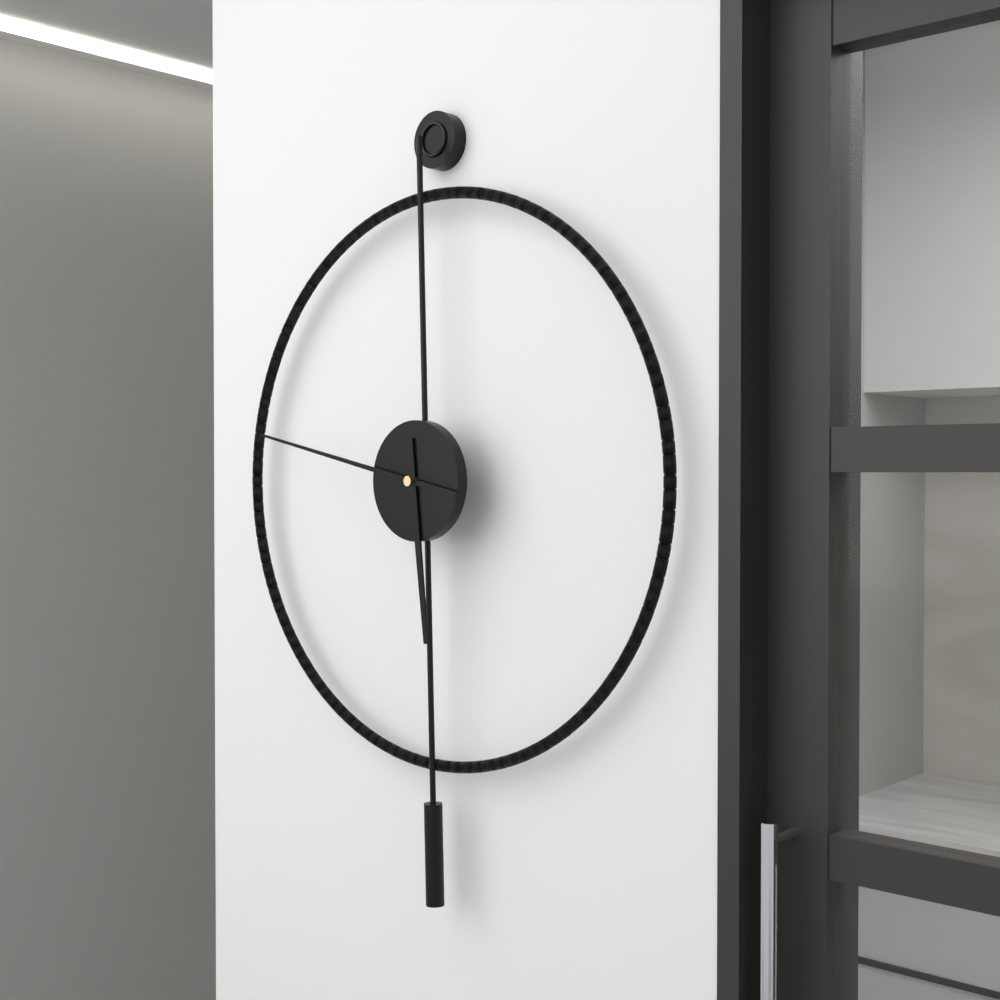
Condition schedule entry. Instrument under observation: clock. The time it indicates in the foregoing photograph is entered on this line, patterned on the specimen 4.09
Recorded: 5.47
